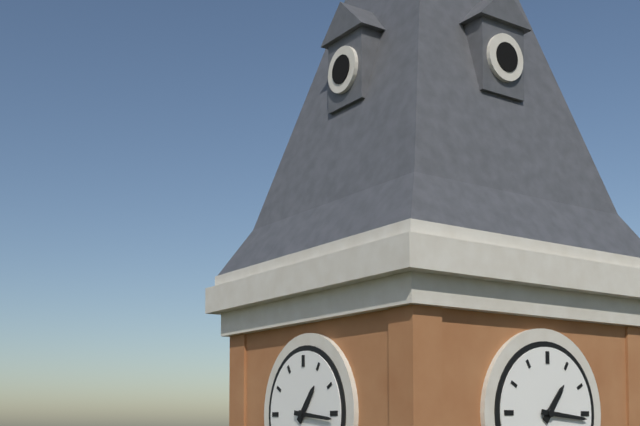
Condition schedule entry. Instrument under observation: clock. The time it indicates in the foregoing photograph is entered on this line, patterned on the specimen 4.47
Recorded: 1.16
